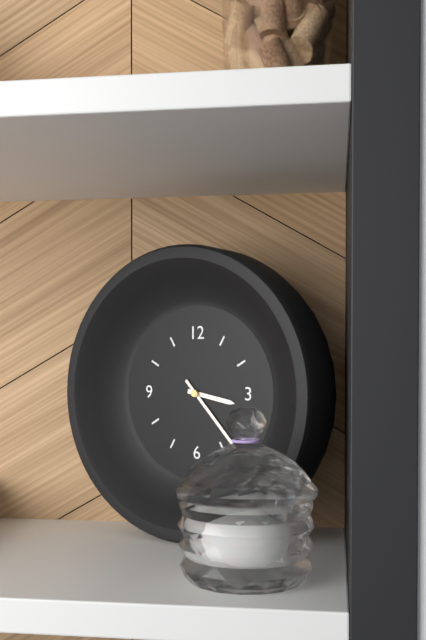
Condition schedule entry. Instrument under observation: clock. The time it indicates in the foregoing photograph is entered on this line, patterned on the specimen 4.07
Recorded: 3.23
